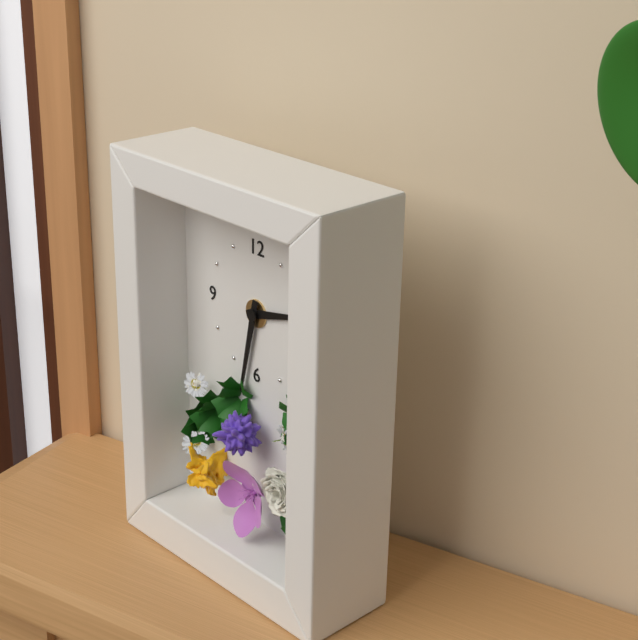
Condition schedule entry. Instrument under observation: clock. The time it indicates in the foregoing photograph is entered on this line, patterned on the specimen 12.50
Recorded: 2.32
